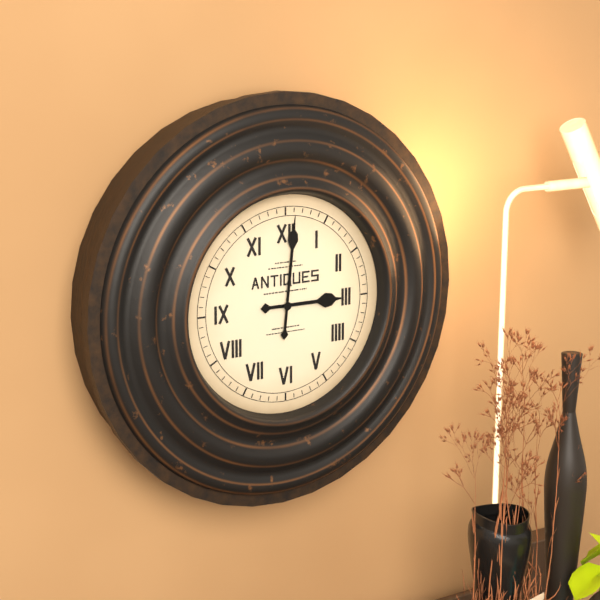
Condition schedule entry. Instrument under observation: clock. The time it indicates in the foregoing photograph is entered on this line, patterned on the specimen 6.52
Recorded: 3.01
